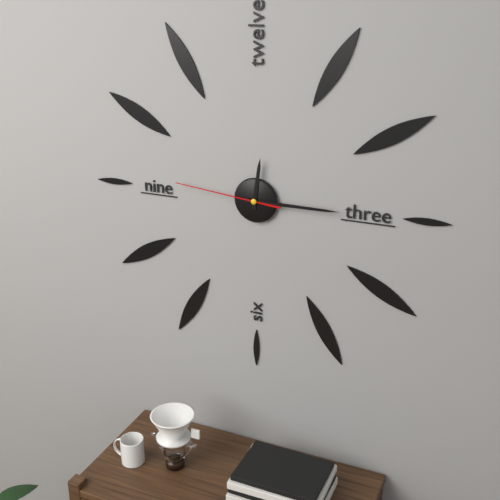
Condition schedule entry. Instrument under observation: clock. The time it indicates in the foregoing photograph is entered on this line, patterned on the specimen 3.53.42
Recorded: 12.15.46
